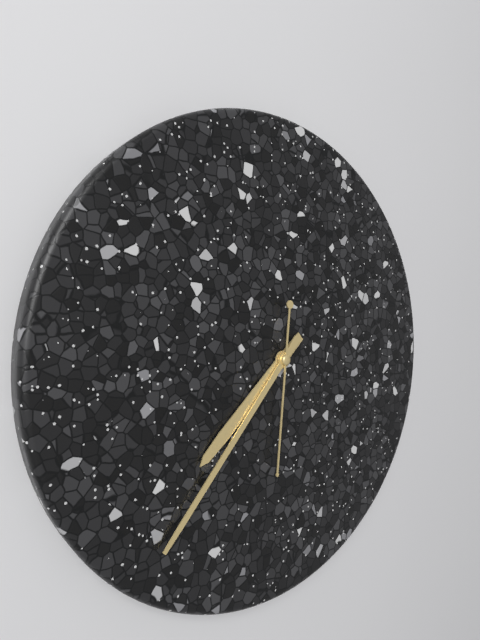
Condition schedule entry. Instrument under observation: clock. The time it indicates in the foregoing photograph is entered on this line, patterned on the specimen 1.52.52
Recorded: 7.37.31
